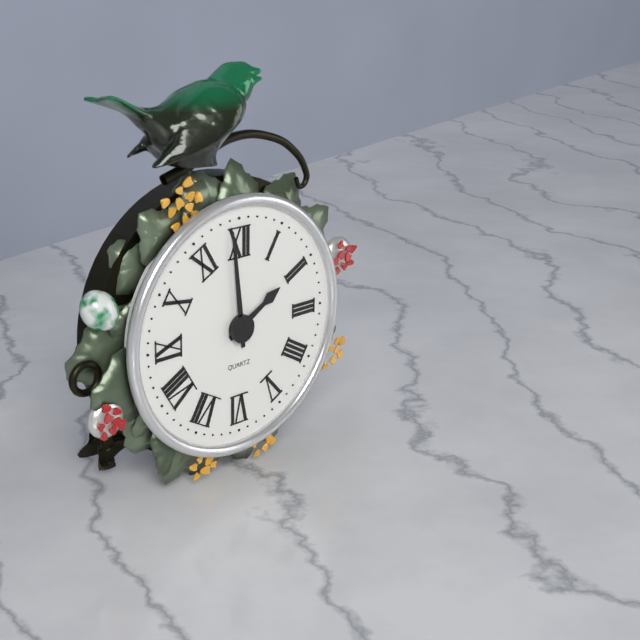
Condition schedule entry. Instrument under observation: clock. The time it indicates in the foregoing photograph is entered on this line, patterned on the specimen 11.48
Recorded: 1.59
